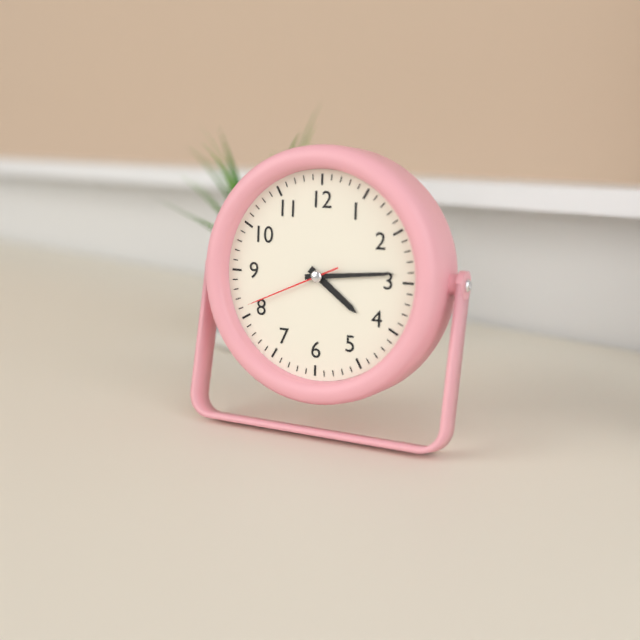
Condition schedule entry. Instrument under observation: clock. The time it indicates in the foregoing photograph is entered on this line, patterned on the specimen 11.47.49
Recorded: 4.14.41
